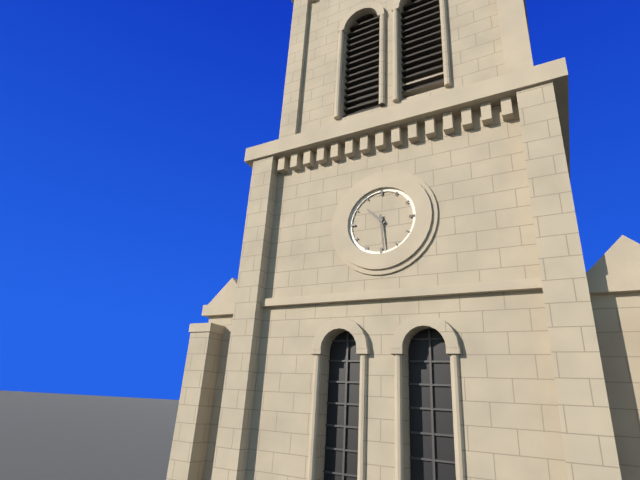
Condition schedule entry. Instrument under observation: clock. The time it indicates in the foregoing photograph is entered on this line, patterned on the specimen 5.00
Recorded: 10.29
